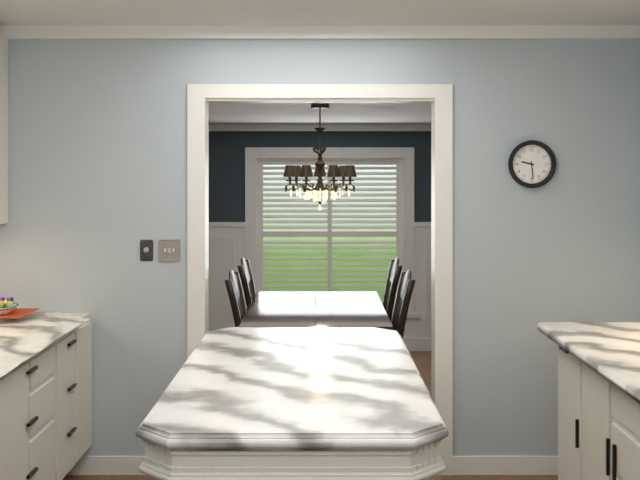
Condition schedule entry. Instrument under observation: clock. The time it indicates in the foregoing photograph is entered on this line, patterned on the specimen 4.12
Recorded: 9.29
